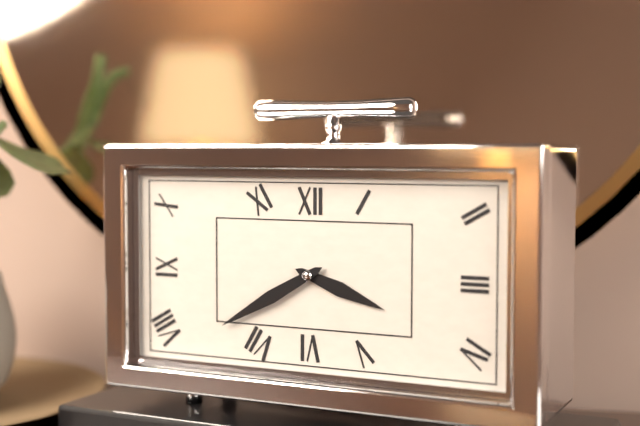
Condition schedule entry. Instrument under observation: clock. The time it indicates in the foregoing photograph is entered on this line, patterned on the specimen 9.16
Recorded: 3.40
